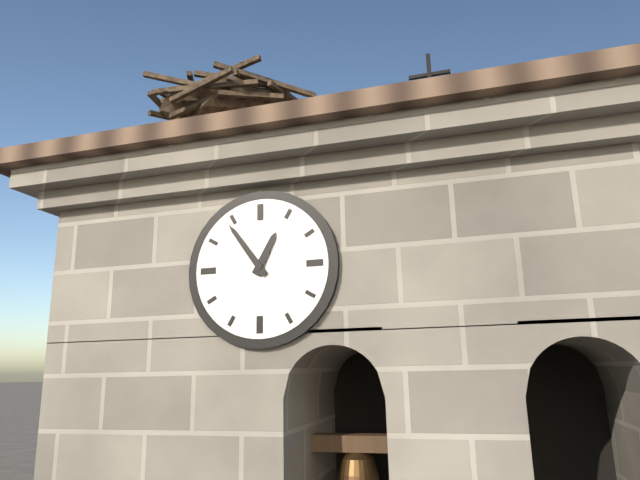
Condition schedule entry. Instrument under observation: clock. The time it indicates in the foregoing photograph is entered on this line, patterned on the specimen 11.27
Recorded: 12.54
